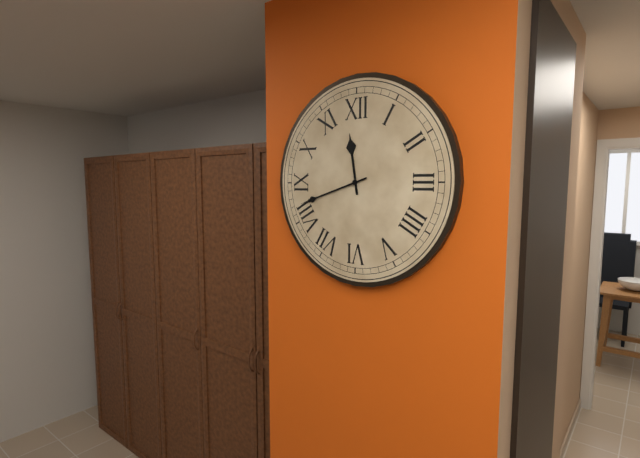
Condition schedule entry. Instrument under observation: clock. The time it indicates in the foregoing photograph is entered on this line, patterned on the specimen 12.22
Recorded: 11.42
